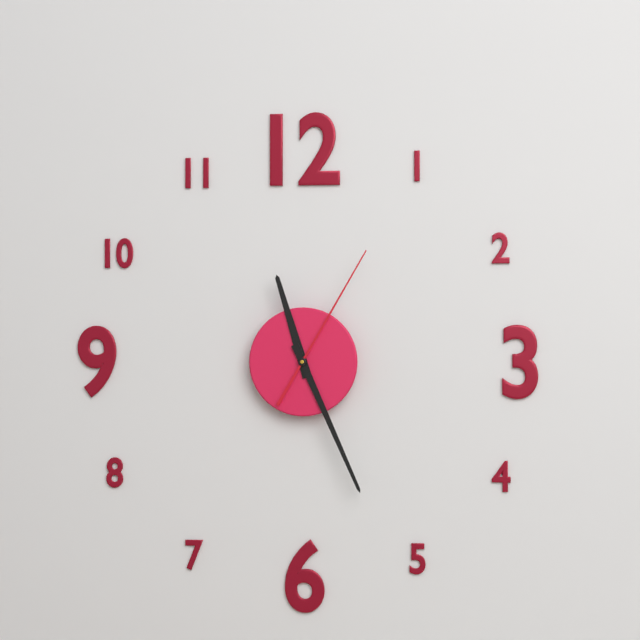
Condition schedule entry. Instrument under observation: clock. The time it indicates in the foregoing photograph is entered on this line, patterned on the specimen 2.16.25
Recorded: 11.26.05
